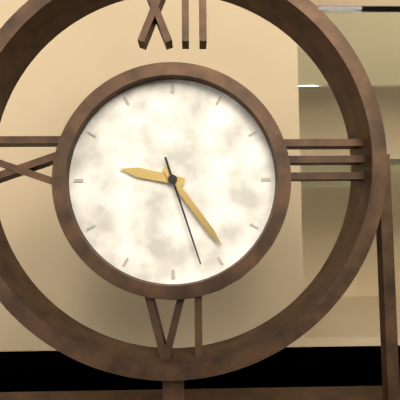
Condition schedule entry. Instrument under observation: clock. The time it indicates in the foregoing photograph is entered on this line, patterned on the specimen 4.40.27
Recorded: 9.24.27
